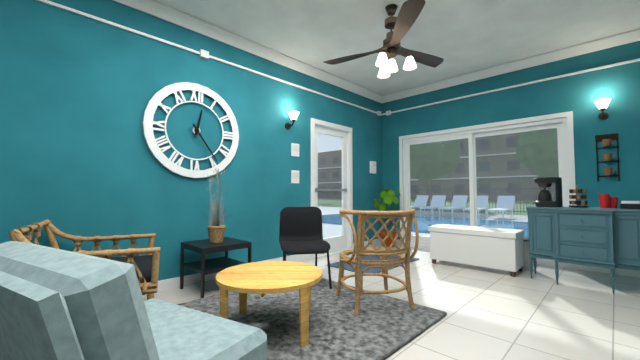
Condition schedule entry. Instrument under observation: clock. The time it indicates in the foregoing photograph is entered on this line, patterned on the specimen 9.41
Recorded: 12.24
